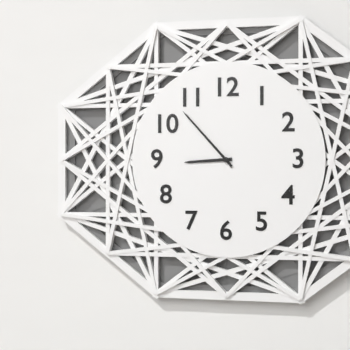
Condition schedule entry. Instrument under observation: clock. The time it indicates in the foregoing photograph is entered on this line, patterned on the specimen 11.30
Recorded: 8.53
